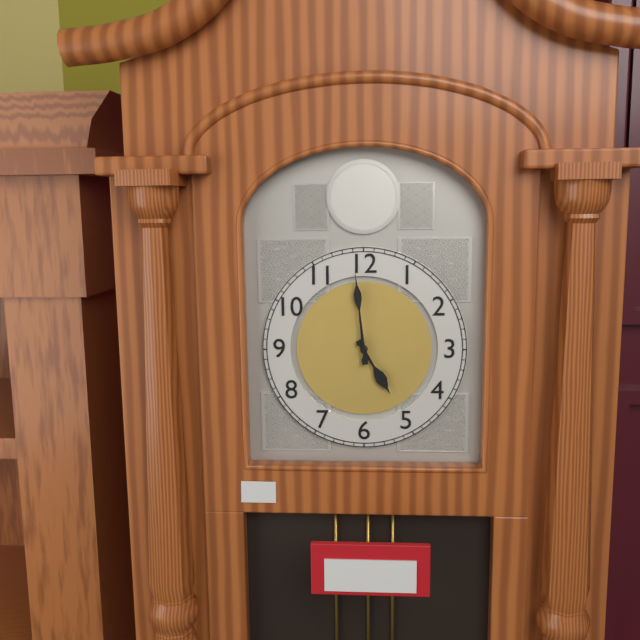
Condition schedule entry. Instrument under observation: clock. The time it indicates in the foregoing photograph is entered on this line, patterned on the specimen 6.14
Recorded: 4.59
